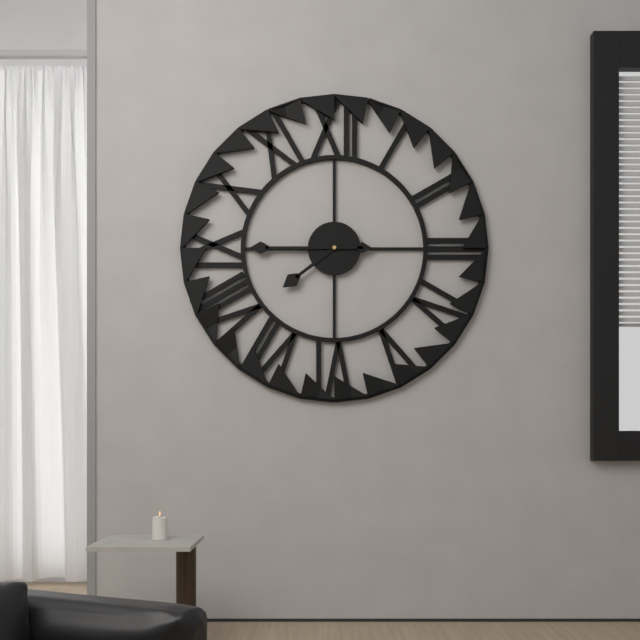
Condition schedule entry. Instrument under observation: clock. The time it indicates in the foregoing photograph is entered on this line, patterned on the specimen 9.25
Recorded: 7.45
